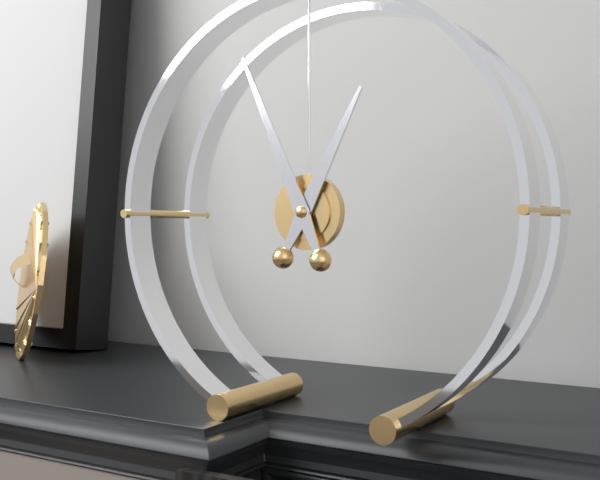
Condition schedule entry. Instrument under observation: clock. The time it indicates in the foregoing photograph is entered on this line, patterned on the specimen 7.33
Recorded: 12.56
